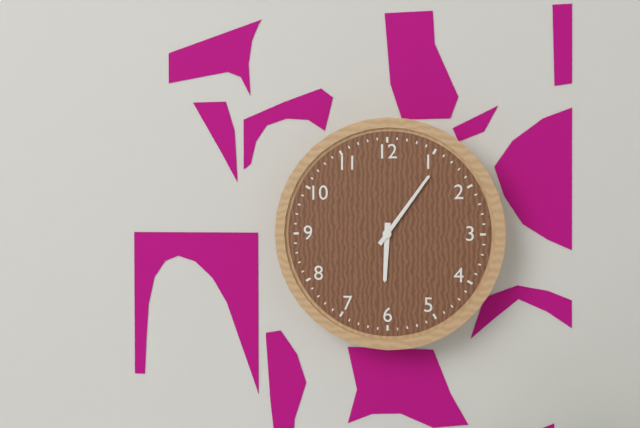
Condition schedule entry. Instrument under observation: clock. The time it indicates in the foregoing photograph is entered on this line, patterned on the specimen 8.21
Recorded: 6.06
